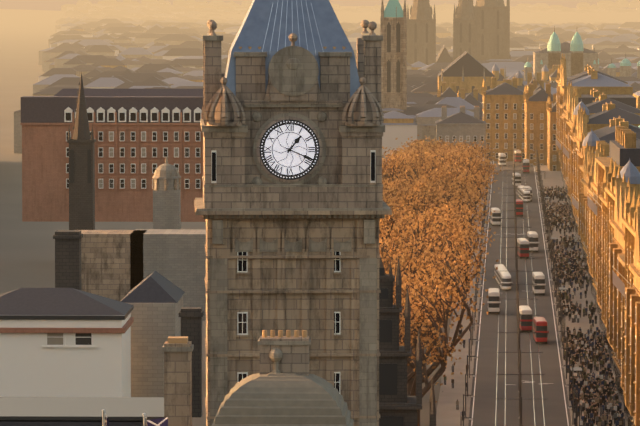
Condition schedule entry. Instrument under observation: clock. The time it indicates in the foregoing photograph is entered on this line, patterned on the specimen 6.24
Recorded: 1.19
